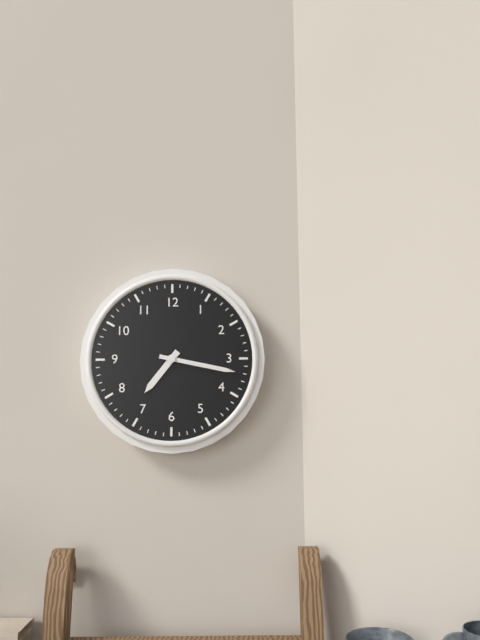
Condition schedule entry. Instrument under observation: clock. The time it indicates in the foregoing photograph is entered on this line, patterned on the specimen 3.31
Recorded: 7.17
